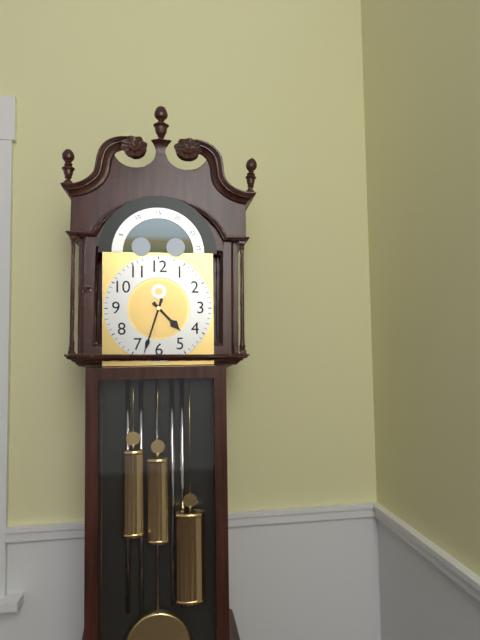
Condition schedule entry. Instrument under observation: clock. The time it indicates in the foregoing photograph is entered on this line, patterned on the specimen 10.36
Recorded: 4.33
